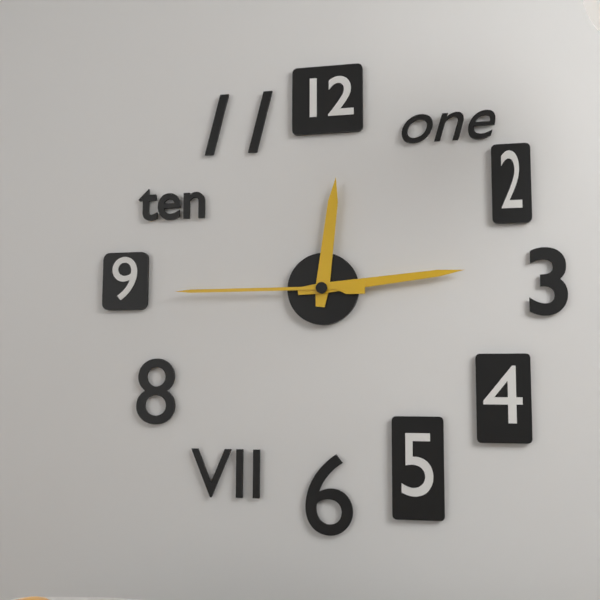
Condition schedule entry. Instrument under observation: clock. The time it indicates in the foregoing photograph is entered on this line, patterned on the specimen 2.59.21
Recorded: 12.14.45
